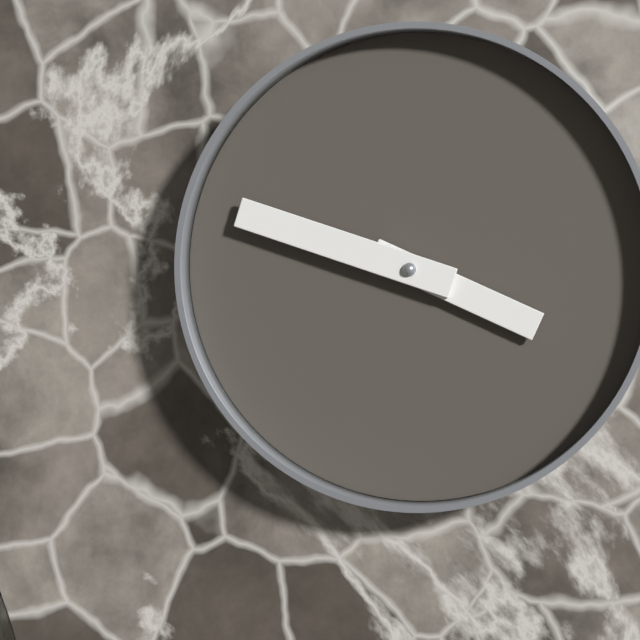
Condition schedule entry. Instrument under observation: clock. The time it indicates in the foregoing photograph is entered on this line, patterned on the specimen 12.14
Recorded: 3.48
